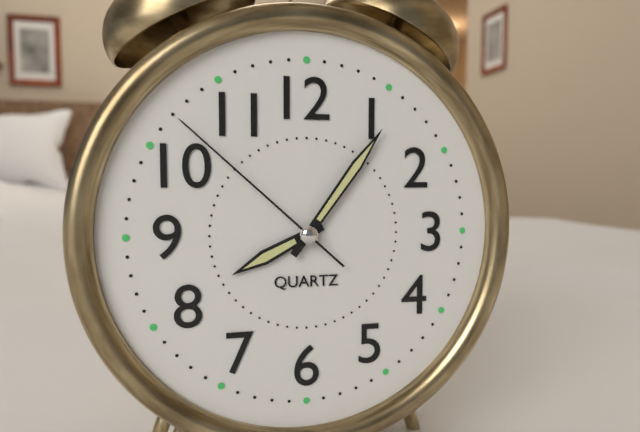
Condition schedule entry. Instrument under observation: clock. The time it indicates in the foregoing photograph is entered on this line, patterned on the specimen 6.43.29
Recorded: 8.06.52
